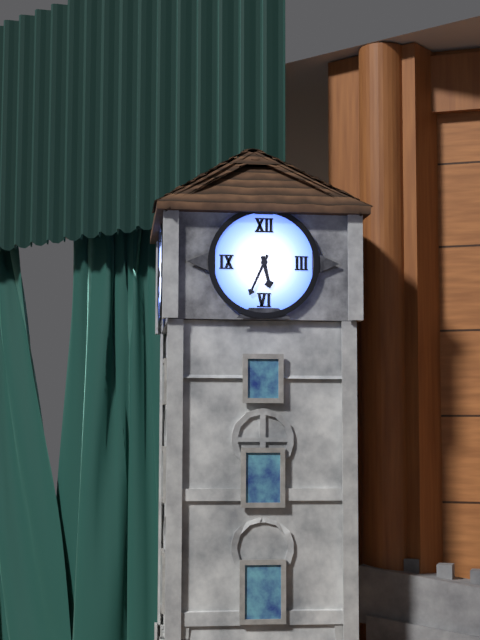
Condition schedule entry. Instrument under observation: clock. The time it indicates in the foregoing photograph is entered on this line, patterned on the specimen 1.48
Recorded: 5.34
